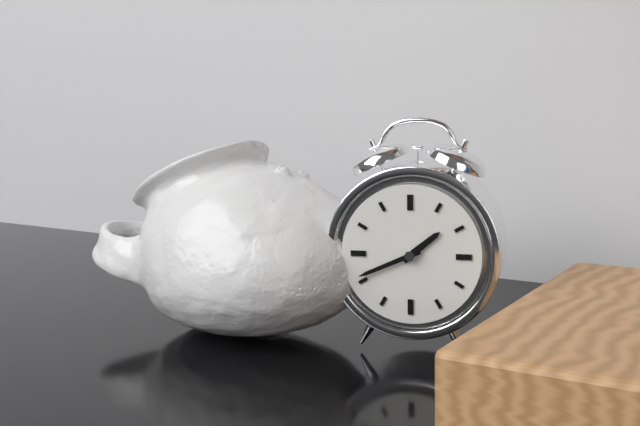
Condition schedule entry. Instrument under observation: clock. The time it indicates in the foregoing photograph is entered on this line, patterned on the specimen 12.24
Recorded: 1.41
